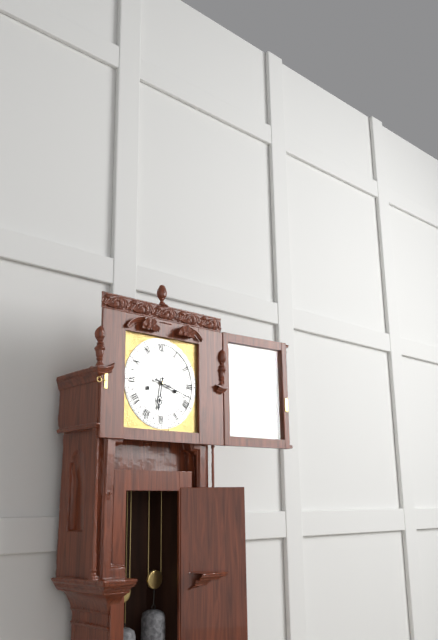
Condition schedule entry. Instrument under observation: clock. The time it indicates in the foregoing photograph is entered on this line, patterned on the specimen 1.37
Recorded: 6.18
